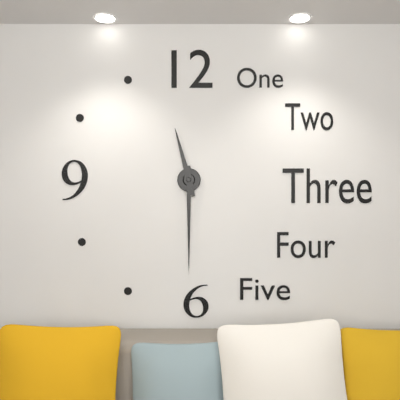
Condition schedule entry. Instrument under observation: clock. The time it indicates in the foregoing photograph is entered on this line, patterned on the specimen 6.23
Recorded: 11.30
